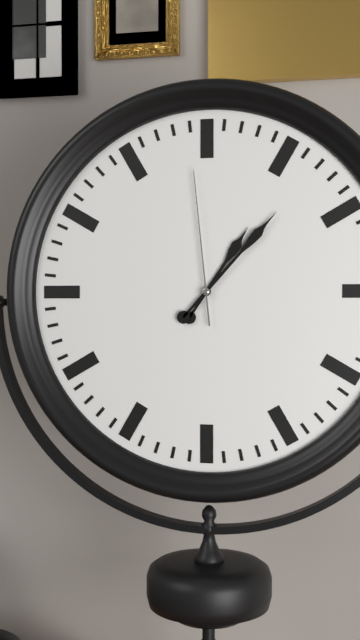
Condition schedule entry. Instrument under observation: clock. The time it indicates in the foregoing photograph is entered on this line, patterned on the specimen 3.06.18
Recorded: 1.07.59
